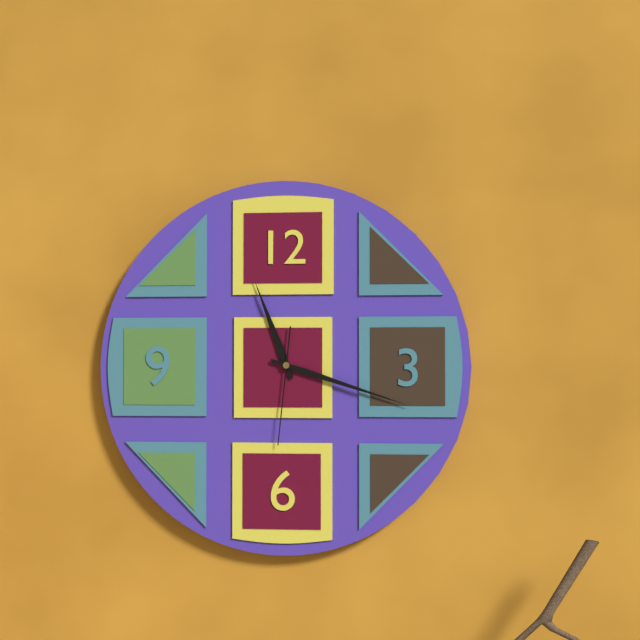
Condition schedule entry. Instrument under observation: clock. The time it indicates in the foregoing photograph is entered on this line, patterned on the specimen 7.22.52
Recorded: 11.18.31
